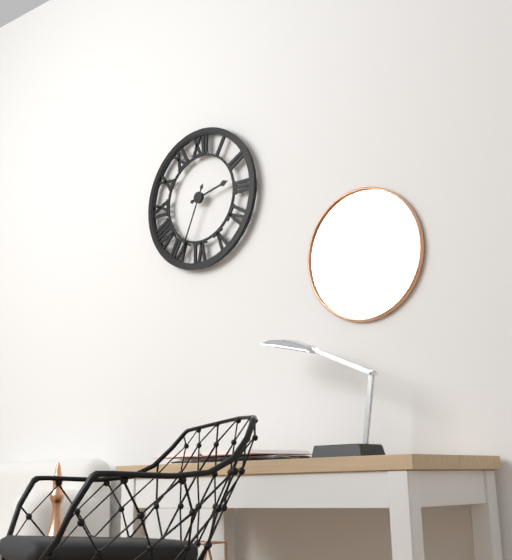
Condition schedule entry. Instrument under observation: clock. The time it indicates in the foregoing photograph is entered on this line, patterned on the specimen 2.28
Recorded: 2.34
